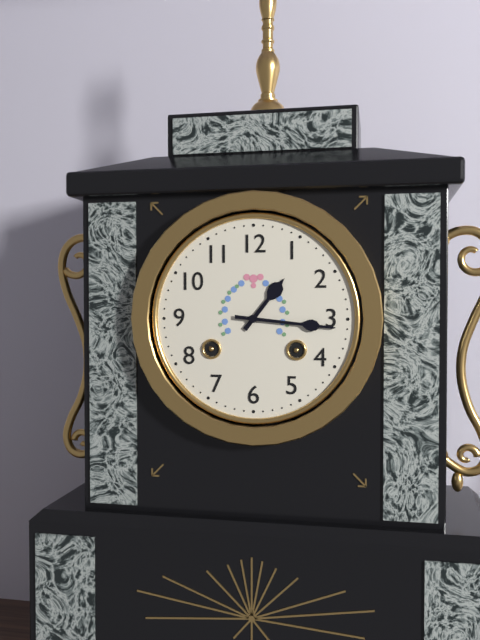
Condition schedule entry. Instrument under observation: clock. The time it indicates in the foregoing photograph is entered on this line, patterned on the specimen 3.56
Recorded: 1.16
